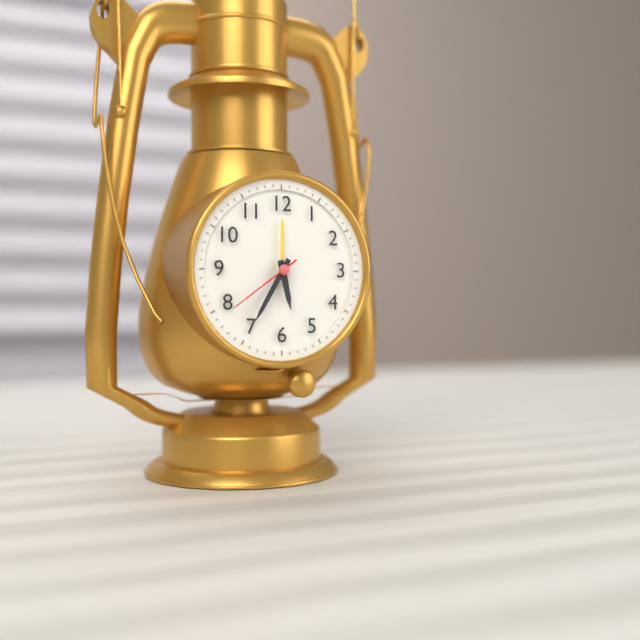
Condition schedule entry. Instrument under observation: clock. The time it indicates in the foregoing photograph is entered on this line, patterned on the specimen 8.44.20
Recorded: 5.35.39
